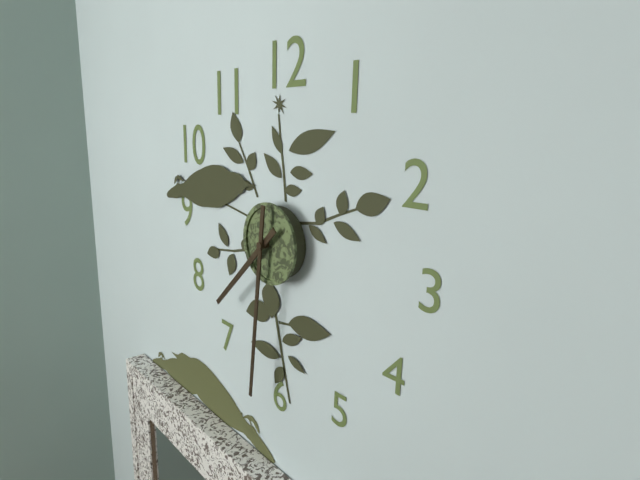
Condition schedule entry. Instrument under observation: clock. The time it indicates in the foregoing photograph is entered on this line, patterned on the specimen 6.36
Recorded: 7.31
